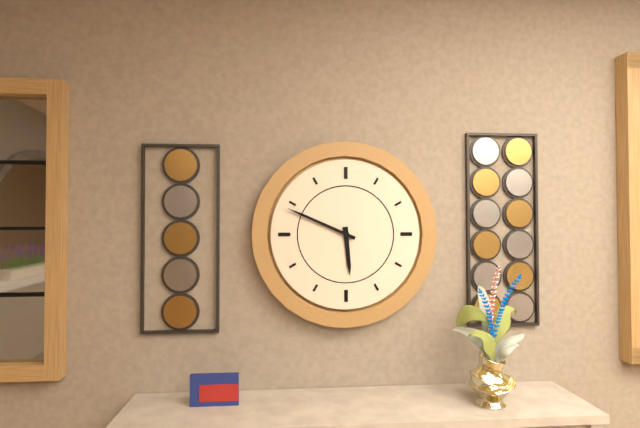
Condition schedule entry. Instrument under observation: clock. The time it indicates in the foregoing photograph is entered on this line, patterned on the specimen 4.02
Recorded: 5.49
